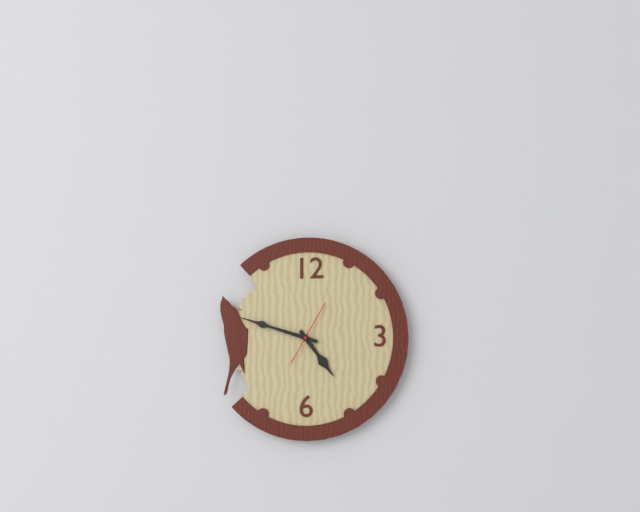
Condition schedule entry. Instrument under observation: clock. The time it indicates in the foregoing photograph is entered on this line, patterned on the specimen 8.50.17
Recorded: 4.48.05
